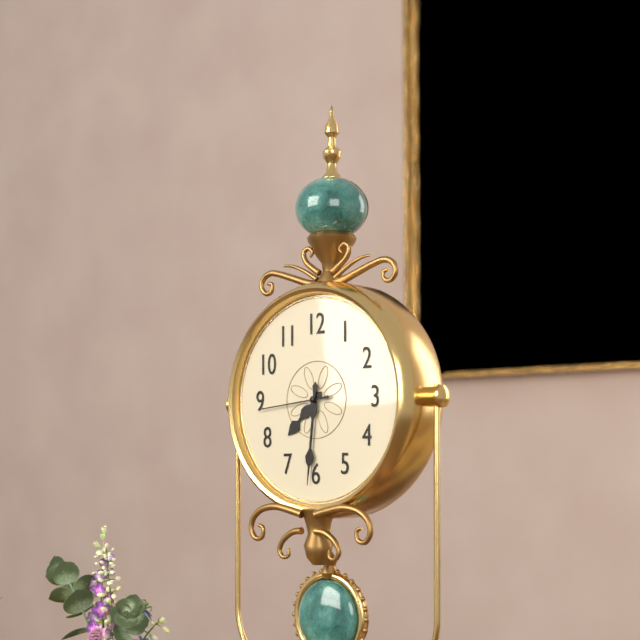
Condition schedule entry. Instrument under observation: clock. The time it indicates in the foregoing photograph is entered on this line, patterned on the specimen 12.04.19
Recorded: 7.31.44
